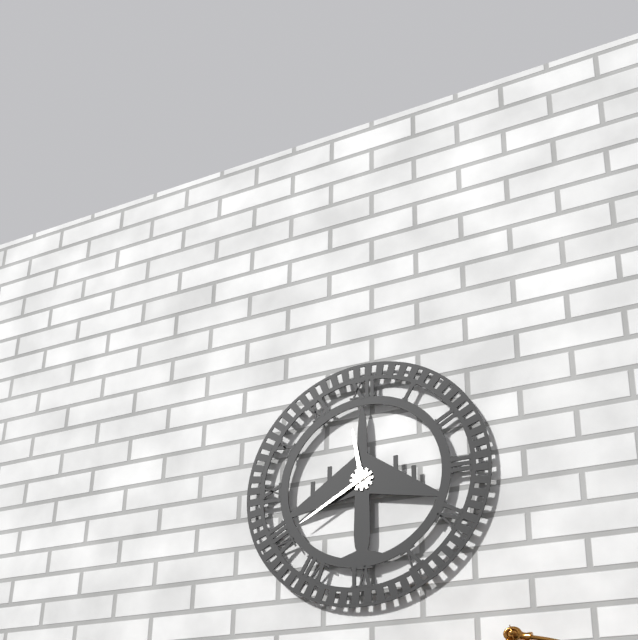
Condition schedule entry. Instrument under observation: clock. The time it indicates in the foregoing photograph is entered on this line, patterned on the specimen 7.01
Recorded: 11.40
